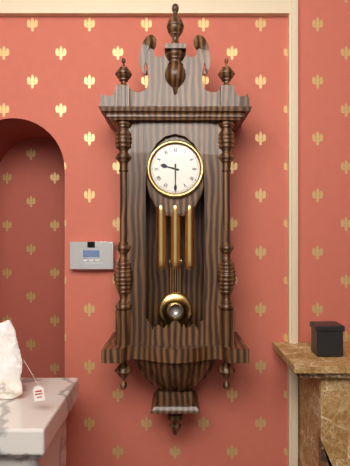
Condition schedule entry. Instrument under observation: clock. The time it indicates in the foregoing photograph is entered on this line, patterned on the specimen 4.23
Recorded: 9.30
